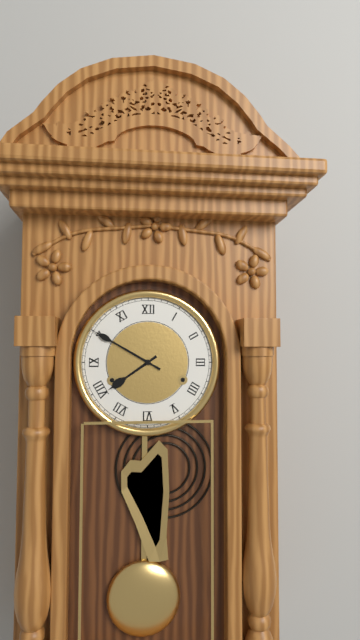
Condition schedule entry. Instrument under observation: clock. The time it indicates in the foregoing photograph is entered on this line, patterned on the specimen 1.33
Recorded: 7.50
